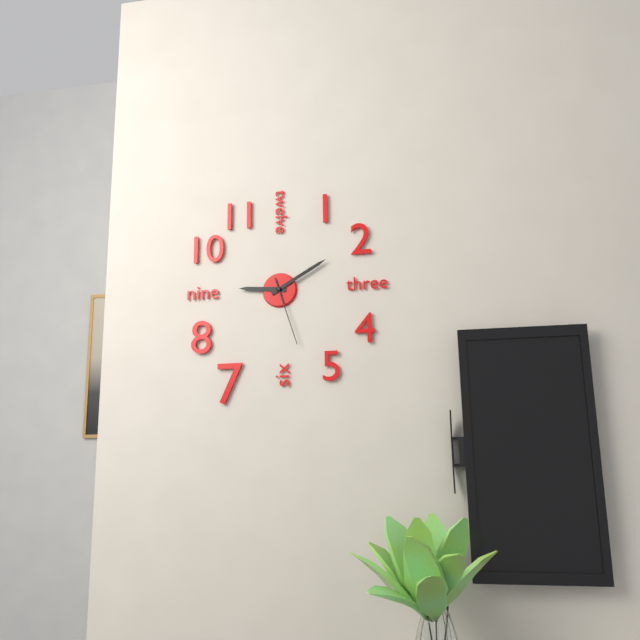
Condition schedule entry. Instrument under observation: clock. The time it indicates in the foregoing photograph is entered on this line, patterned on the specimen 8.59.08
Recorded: 9.10.27
